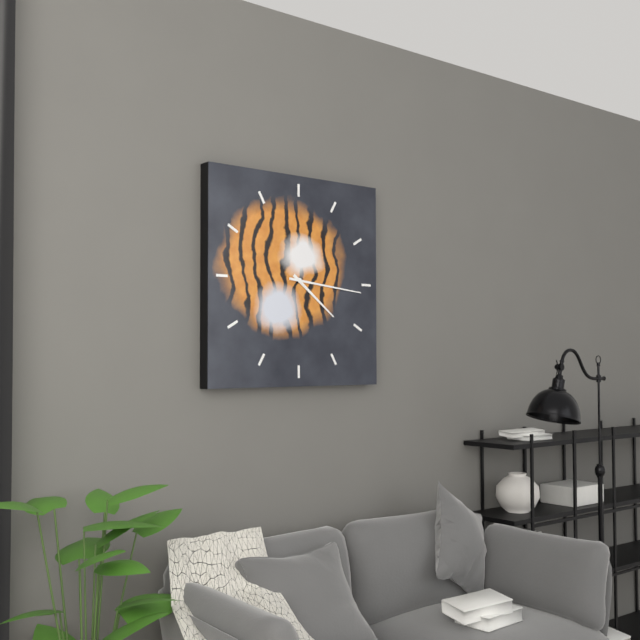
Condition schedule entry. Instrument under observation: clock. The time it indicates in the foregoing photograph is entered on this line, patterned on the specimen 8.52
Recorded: 4.16
